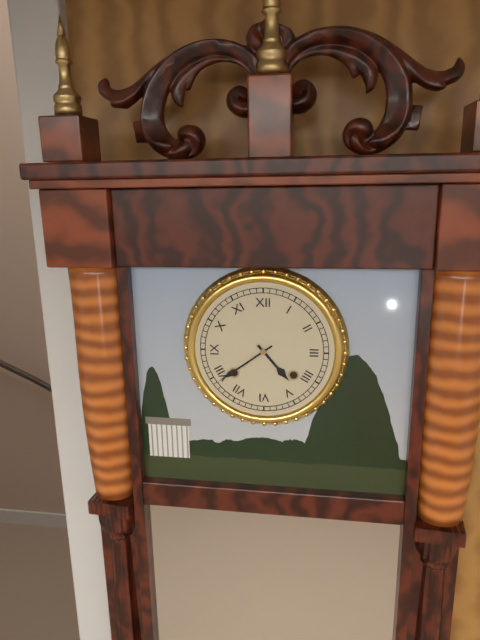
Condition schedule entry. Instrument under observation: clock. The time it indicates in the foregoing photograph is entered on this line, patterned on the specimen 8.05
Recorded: 4.39
